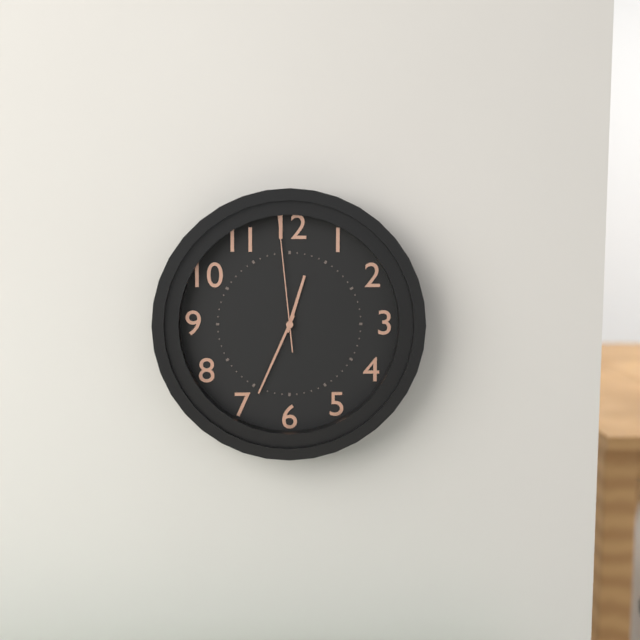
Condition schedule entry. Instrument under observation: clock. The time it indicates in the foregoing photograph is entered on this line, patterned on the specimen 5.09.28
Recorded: 12.34.59
